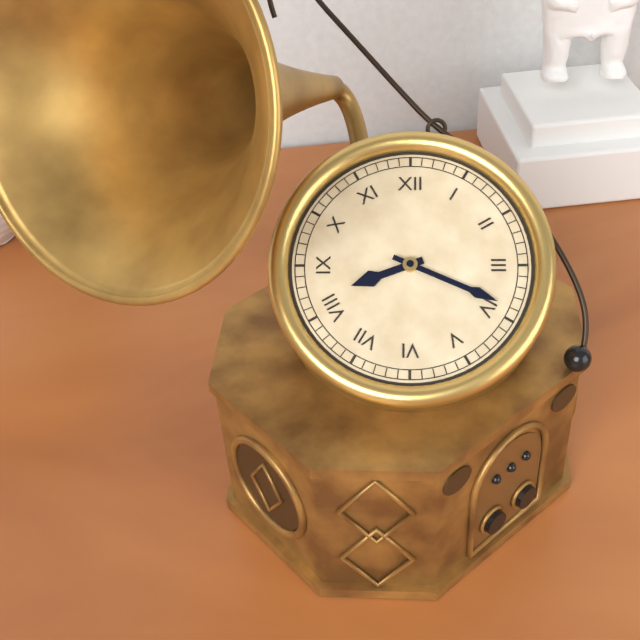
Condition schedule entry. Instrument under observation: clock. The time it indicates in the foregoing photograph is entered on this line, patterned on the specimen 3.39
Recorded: 8.19
